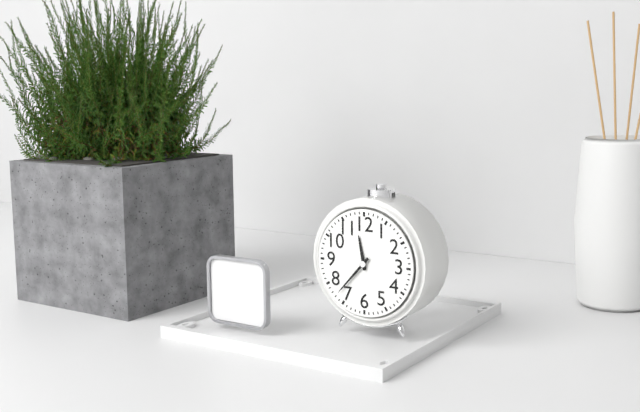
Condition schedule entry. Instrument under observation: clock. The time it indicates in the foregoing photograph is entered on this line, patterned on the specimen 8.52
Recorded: 11.37
